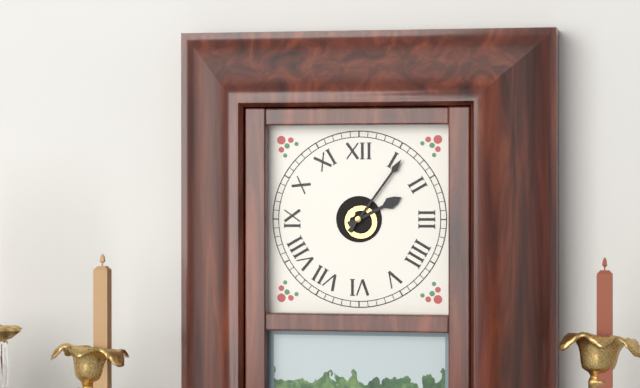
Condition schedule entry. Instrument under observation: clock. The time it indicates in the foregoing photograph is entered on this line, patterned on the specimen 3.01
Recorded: 2.06
